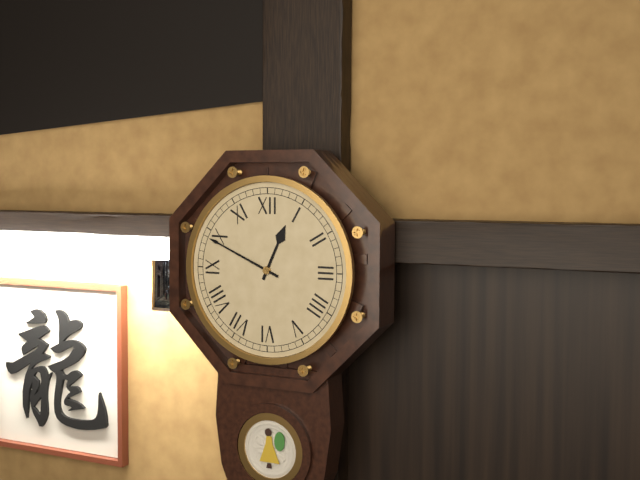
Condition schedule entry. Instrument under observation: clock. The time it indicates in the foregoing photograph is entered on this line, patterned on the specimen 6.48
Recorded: 12.49
